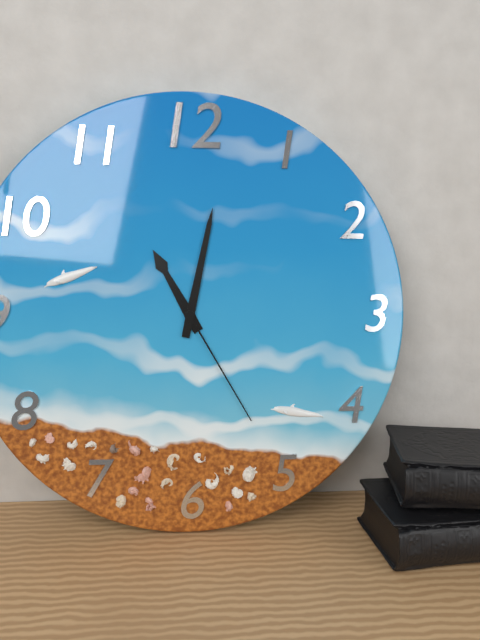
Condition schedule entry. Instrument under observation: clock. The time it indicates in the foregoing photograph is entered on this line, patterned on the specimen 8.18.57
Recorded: 11.02.25
